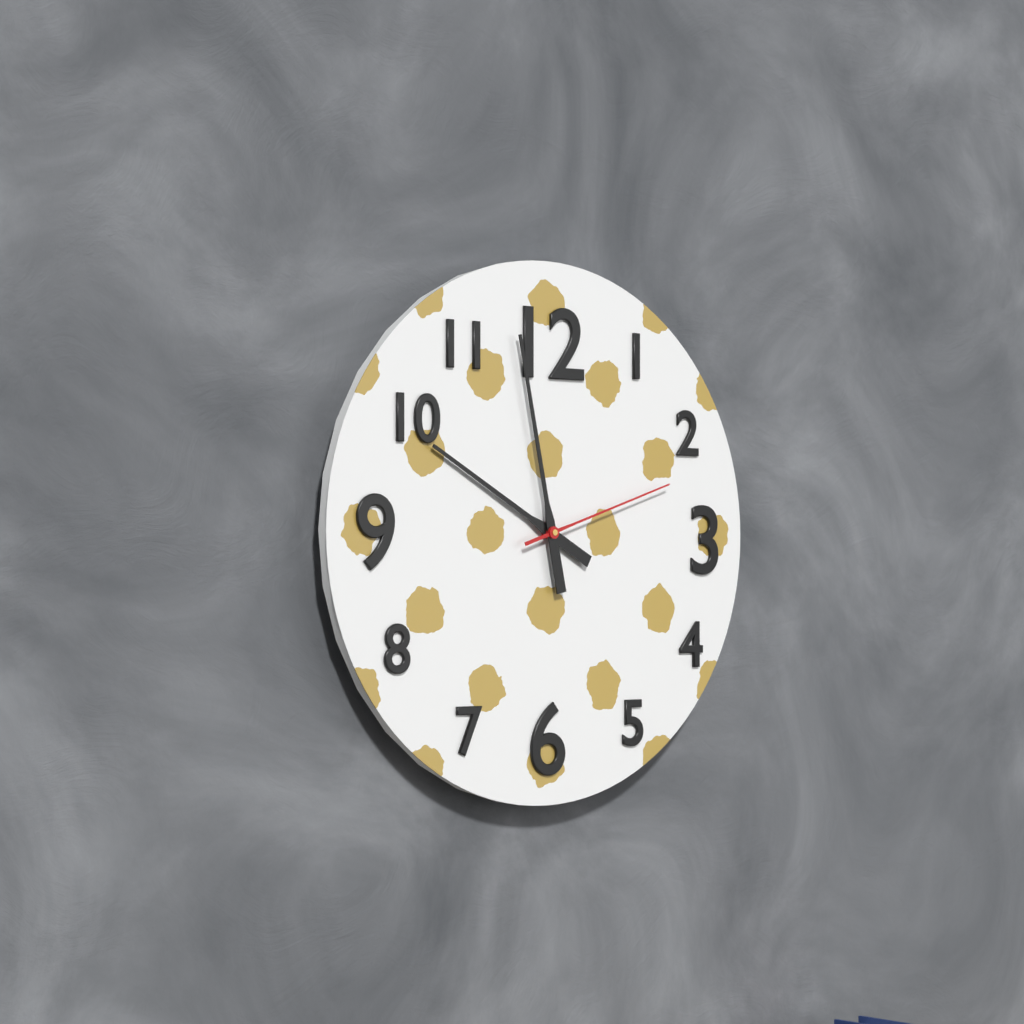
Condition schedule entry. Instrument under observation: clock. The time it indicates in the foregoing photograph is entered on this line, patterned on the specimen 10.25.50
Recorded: 9.58.12
